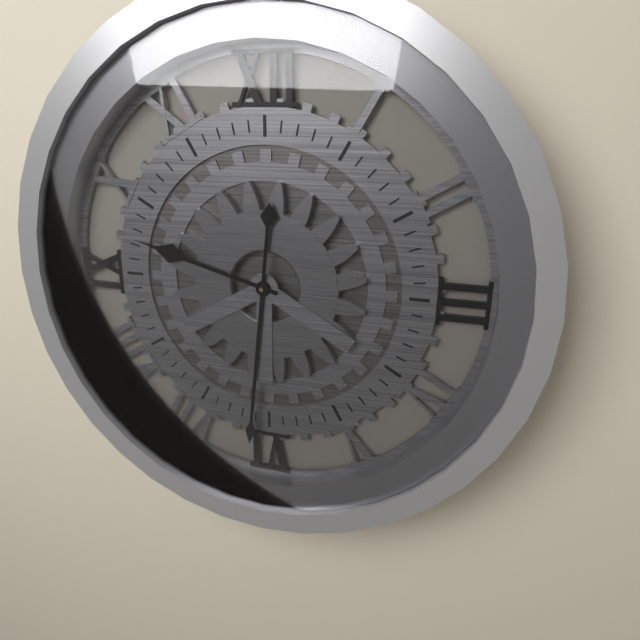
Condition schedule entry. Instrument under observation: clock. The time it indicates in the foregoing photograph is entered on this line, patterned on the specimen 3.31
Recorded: 9.31
